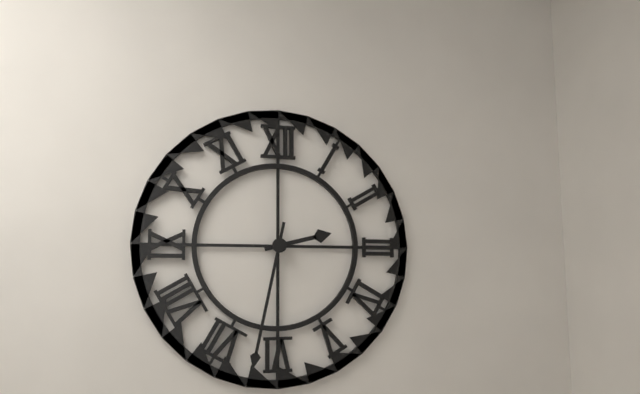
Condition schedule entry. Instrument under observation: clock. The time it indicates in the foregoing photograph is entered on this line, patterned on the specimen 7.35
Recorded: 2.32
